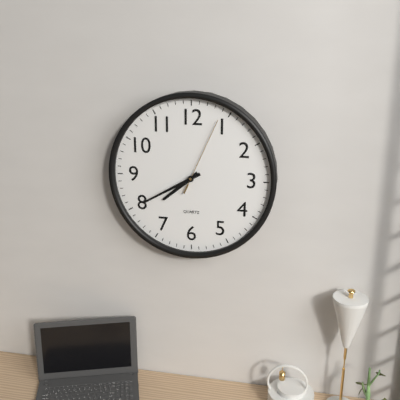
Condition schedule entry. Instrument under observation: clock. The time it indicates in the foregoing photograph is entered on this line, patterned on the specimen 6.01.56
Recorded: 7.40.04
